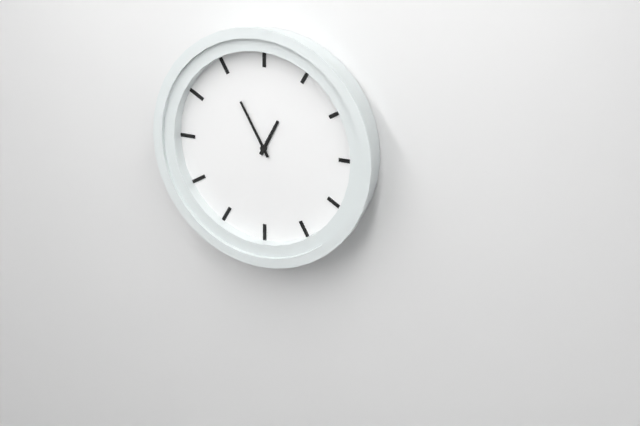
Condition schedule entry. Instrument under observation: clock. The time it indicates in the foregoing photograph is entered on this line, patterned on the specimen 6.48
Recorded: 12.55
